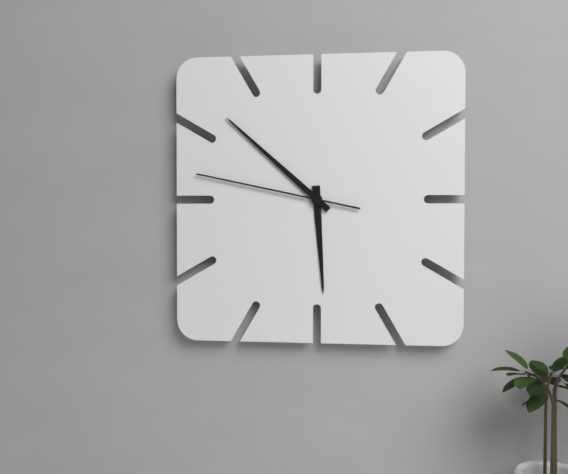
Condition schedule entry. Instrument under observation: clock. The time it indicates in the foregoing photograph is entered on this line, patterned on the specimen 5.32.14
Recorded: 5.52.47
